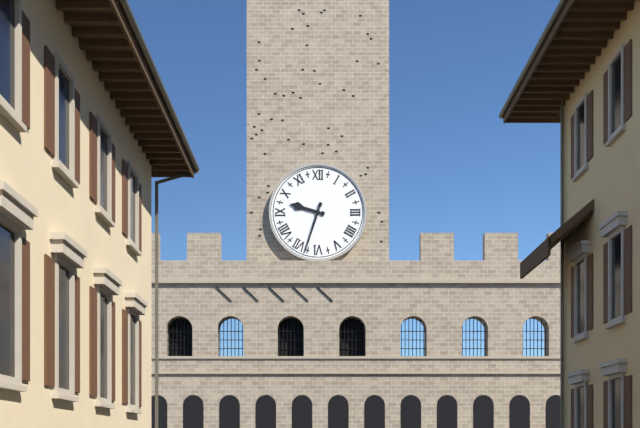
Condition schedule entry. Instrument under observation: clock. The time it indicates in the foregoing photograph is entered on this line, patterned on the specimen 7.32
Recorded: 9.33
